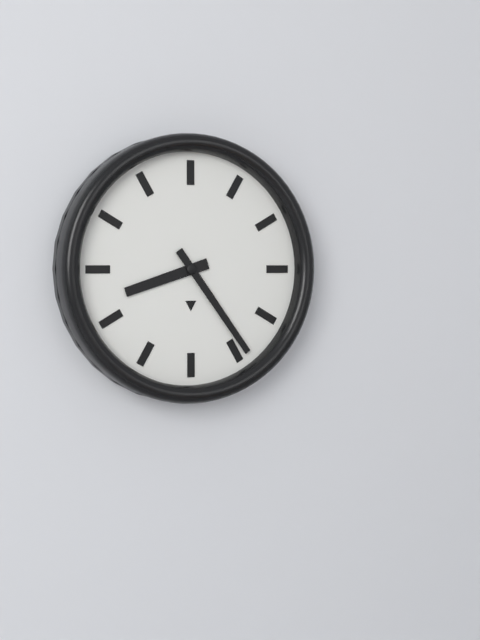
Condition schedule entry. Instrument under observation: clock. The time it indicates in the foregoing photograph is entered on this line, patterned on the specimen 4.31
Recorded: 8.24
